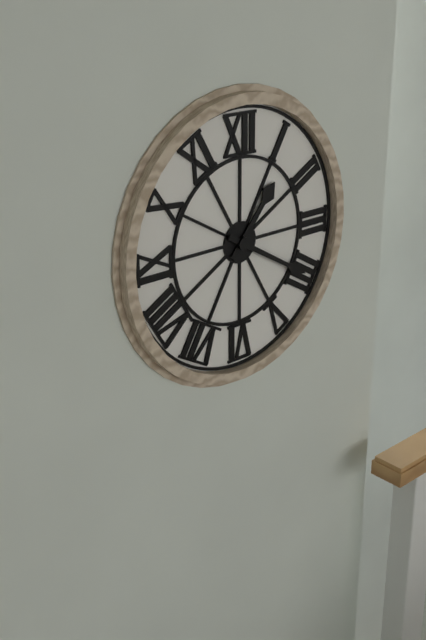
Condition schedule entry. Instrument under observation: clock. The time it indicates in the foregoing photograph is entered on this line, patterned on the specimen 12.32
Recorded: 1.20
